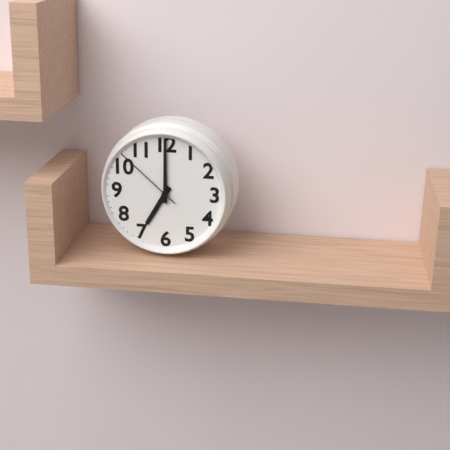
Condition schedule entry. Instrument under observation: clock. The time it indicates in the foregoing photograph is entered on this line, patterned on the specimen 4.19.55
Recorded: 7.00.52
